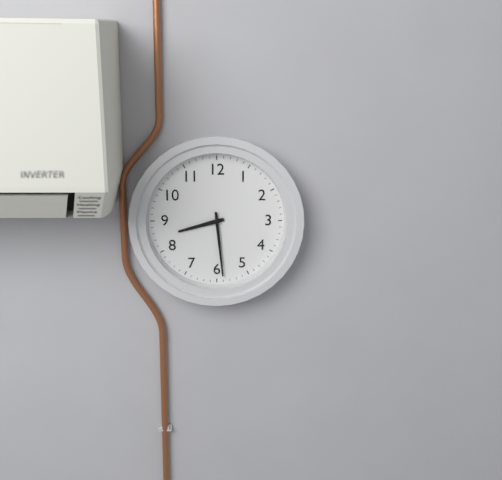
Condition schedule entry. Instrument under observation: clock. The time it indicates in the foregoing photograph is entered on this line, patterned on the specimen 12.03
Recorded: 8.29
